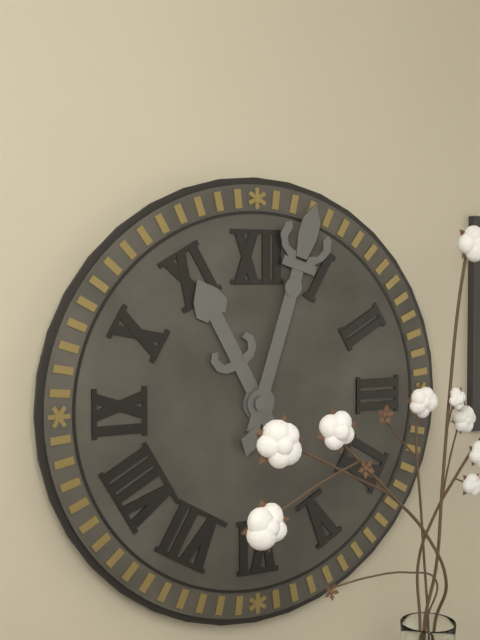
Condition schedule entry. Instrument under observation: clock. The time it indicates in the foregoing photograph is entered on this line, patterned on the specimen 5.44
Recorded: 11.03
